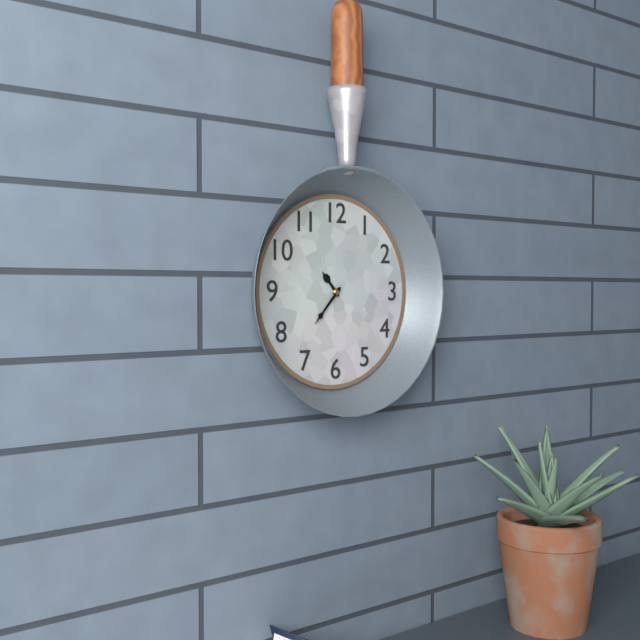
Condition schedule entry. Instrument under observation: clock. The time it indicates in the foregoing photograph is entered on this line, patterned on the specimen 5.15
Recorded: 10.37
